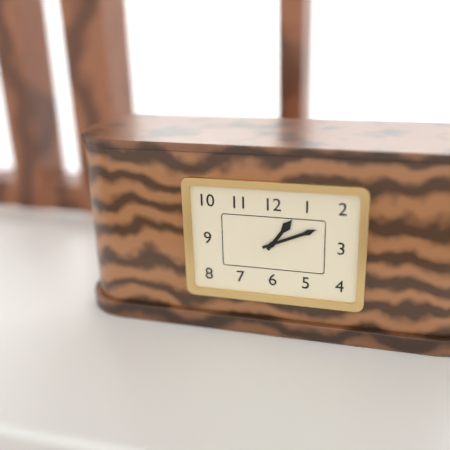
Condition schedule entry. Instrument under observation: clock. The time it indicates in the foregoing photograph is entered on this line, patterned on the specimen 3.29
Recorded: 1.11
